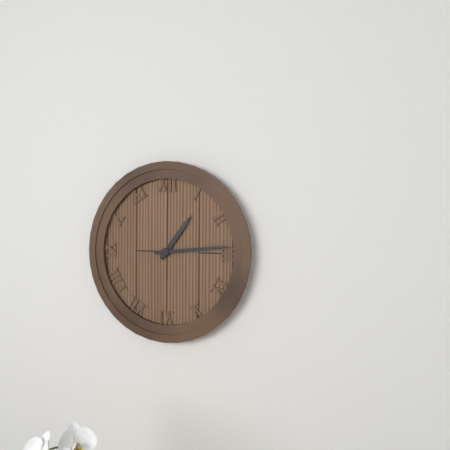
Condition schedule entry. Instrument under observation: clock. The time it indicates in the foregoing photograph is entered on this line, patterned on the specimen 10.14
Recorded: 1.14
